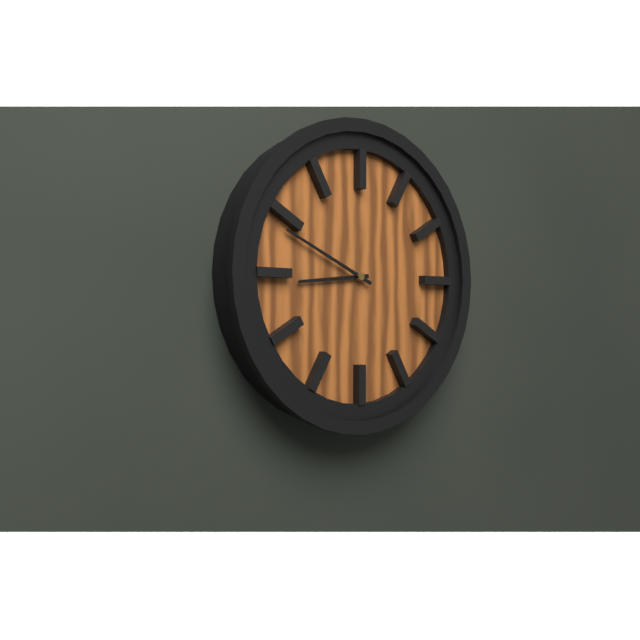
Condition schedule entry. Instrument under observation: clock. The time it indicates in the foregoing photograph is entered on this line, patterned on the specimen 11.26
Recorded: 8.49
